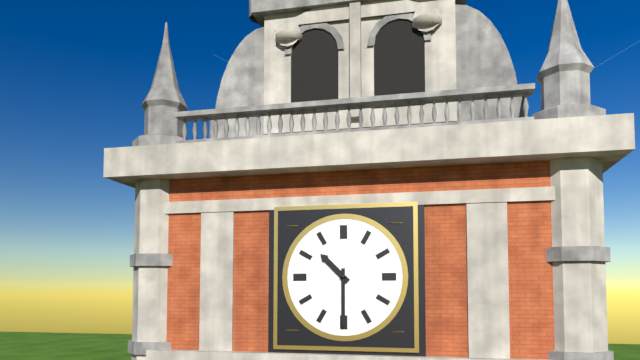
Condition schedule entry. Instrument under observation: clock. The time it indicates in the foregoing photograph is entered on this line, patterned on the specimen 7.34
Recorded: 10.30
